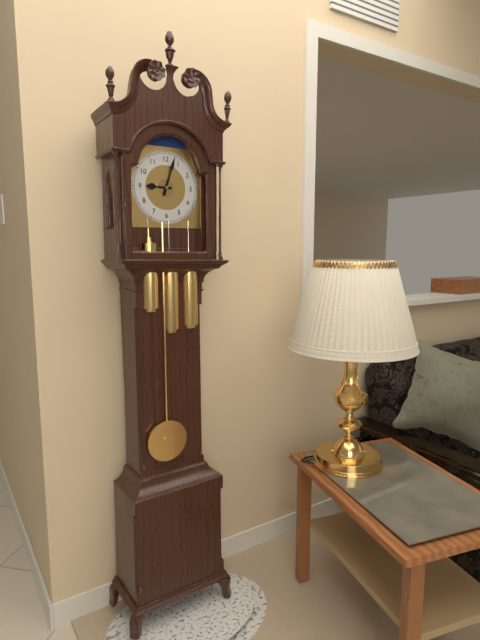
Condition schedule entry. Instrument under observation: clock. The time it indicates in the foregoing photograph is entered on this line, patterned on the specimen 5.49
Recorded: 9.03
